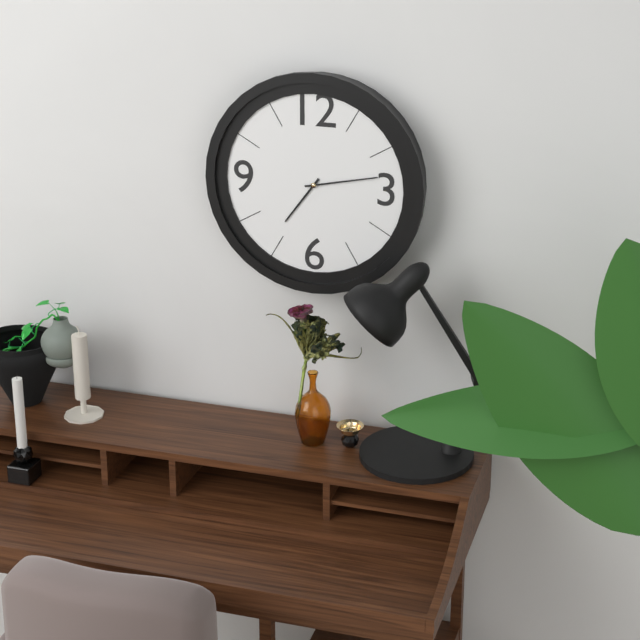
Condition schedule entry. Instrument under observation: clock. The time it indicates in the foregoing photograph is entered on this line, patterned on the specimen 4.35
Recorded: 7.13
